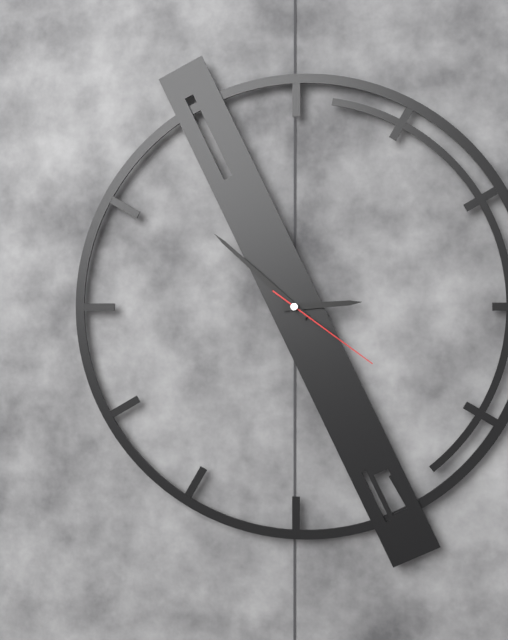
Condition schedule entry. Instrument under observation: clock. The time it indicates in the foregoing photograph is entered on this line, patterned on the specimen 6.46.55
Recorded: 2.52.21
